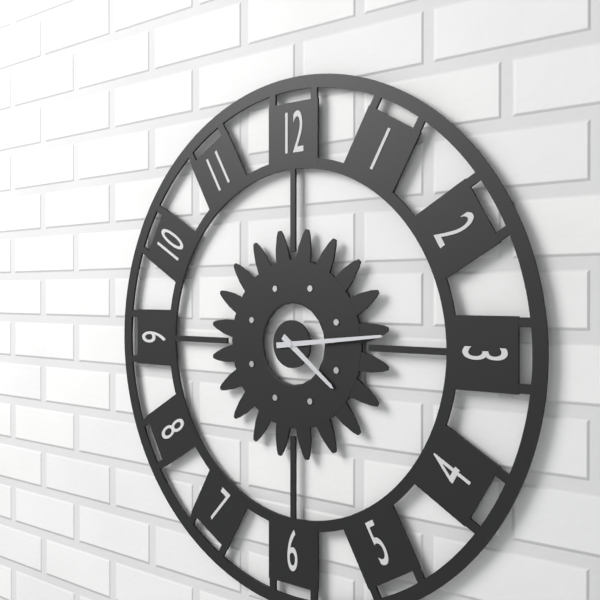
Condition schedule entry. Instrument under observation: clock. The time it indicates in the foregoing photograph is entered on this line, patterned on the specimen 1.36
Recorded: 4.14
